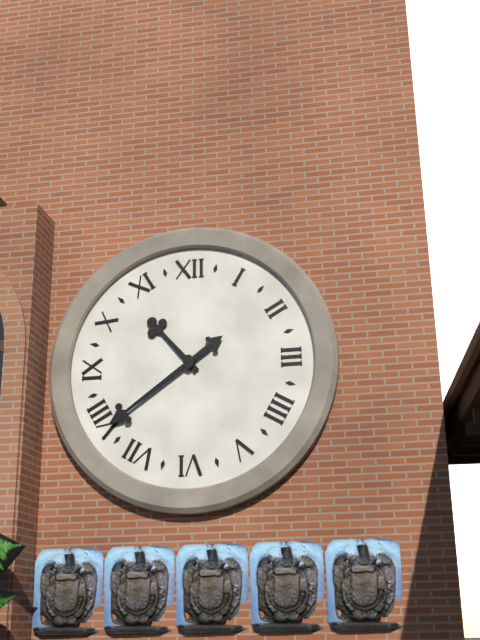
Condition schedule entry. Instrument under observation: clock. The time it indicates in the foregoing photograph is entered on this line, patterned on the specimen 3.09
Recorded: 10.39
